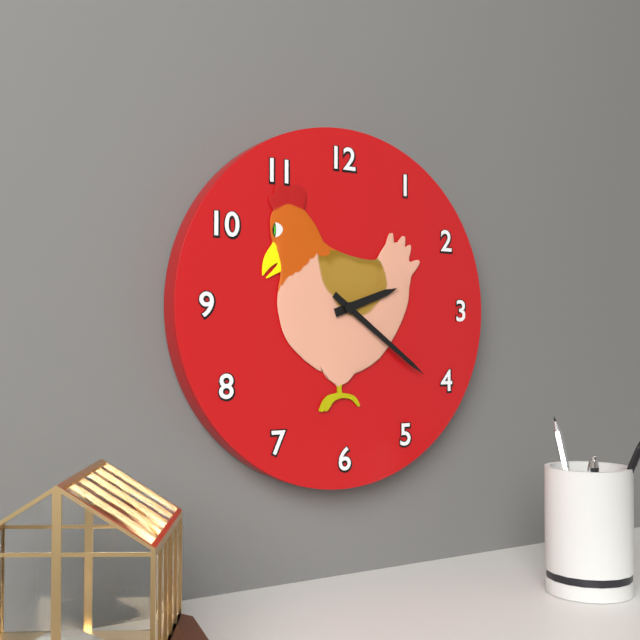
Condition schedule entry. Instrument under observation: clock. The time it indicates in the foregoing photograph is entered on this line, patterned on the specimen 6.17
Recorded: 2.21
